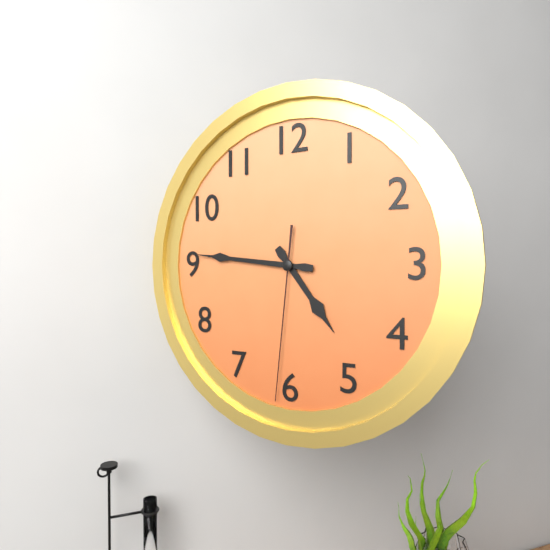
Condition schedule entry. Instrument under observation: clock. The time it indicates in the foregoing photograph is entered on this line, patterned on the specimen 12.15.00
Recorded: 4.46.31
